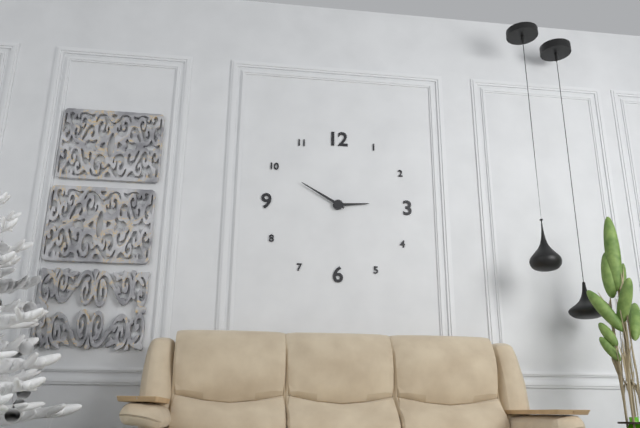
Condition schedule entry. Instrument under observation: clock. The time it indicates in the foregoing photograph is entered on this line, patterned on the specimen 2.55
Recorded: 2.50
